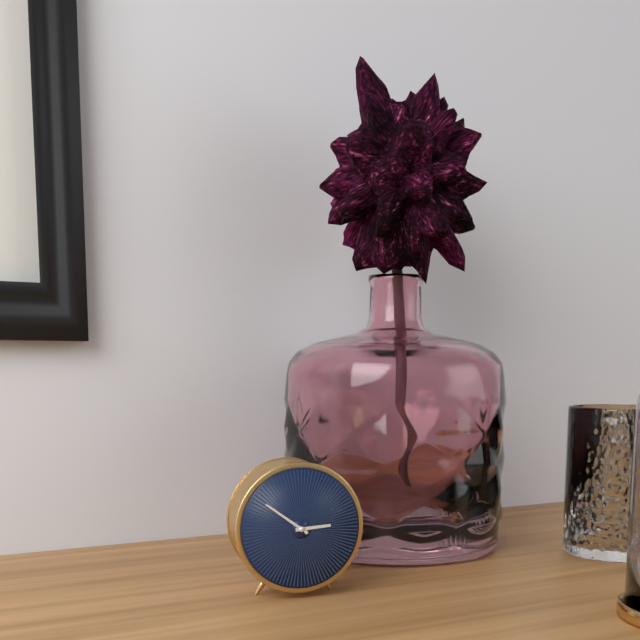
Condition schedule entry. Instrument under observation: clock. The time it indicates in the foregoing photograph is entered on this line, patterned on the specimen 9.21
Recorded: 2.51
